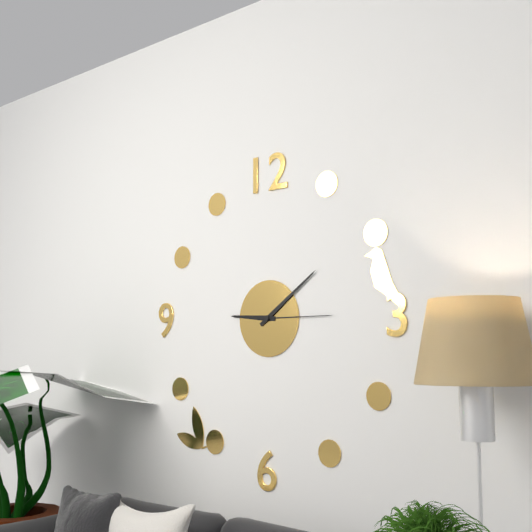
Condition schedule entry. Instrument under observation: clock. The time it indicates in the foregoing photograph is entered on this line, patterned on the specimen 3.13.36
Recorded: 9.09.15
